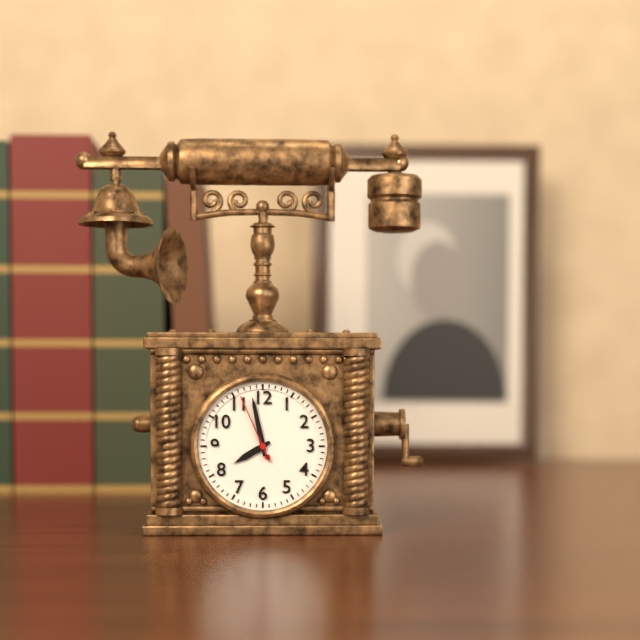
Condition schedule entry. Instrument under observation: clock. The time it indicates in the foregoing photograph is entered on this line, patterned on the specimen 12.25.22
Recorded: 7.58.56
